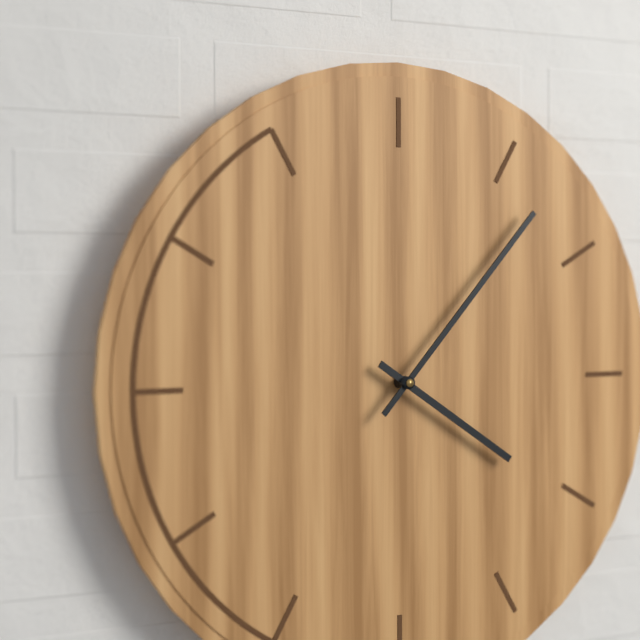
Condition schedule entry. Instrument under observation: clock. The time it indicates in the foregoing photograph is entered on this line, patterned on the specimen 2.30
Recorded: 4.07
